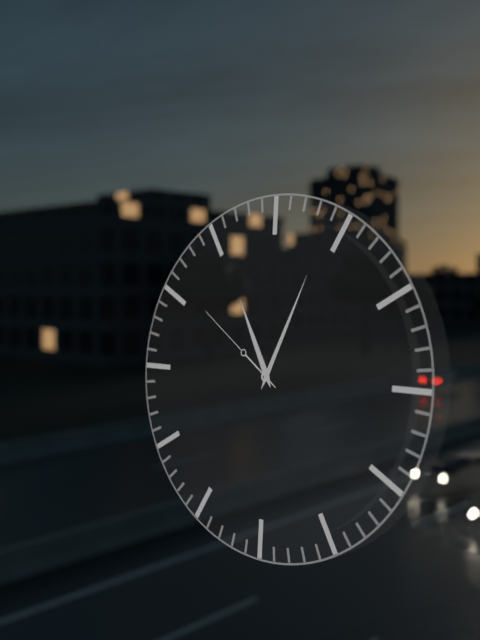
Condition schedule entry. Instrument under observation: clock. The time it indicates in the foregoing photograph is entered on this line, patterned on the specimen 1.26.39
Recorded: 11.04.51
